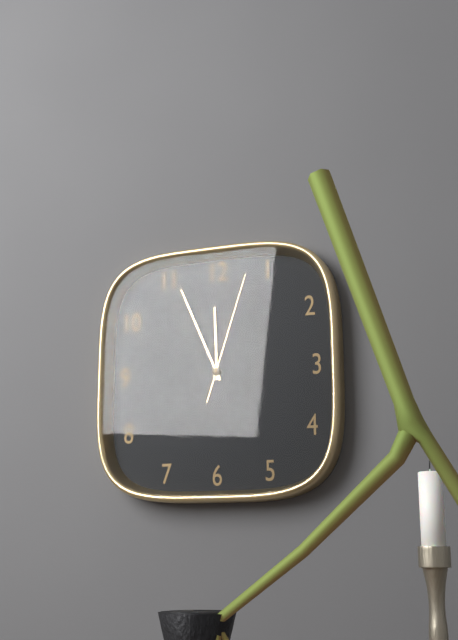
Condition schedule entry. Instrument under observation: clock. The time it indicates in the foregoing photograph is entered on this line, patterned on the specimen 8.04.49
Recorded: 11.56.03
